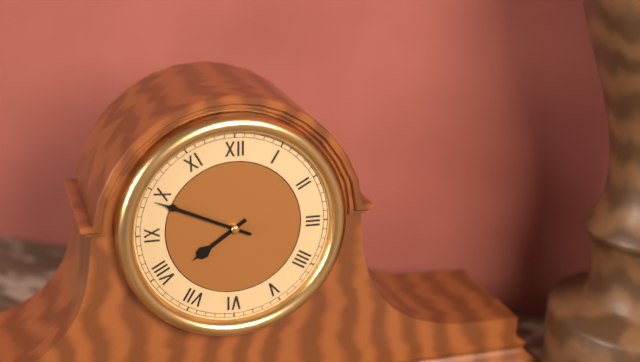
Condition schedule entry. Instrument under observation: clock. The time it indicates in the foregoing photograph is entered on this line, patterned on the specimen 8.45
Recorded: 7.49
